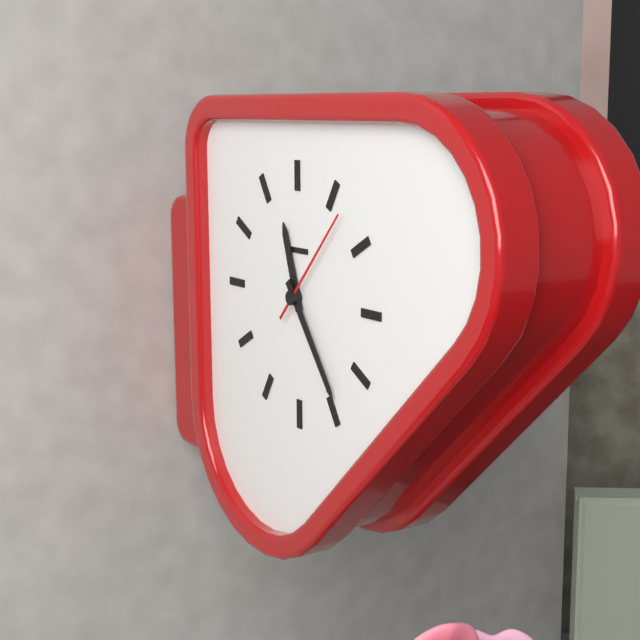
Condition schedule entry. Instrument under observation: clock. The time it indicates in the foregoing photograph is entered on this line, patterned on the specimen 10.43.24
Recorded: 11.24.07
